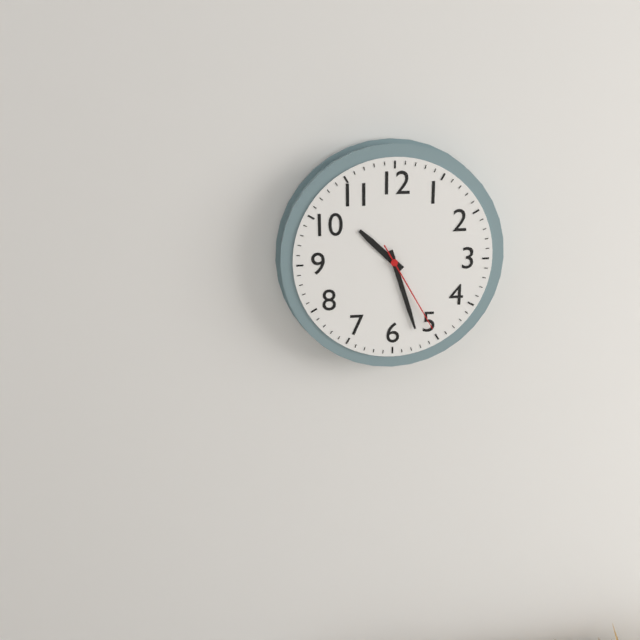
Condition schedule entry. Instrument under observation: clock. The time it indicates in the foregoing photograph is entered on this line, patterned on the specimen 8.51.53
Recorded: 10.27.25
